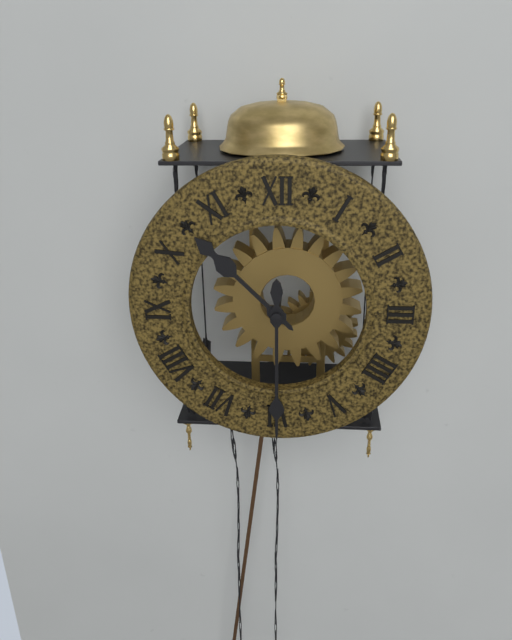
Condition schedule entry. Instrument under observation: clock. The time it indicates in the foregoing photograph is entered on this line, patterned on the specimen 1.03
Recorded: 10.30
